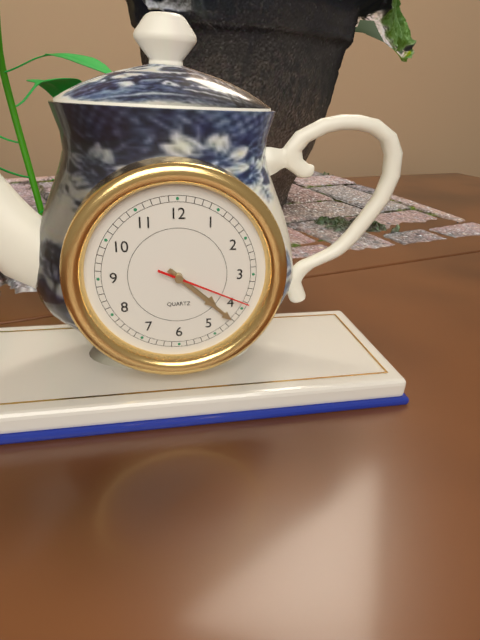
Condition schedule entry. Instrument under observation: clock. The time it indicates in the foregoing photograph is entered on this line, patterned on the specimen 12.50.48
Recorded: 4.22.19
